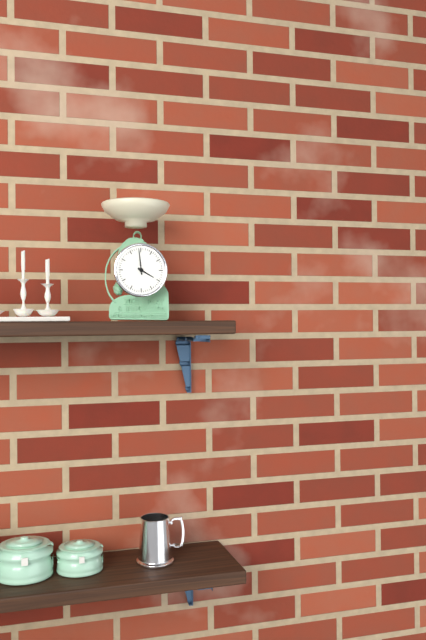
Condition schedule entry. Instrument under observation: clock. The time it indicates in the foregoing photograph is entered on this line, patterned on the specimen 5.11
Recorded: 3.59
